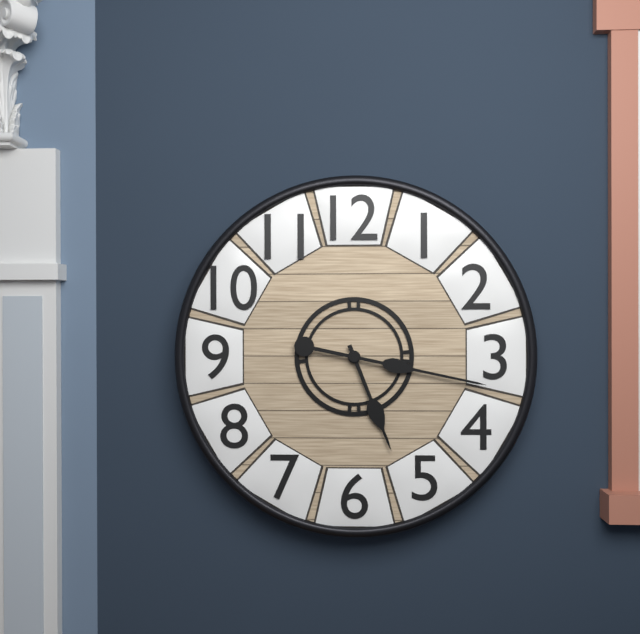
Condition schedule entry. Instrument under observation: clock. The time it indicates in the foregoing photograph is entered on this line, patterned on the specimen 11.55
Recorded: 5.17
